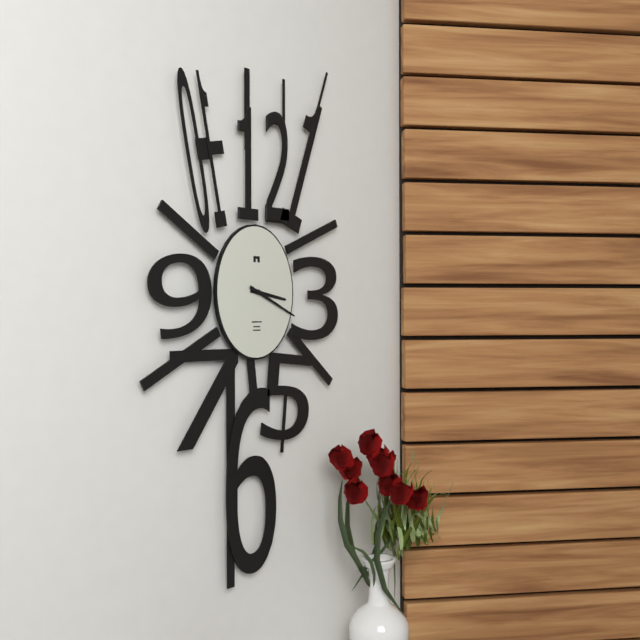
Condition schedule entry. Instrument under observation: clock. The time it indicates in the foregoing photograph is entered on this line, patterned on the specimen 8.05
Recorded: 3.19
